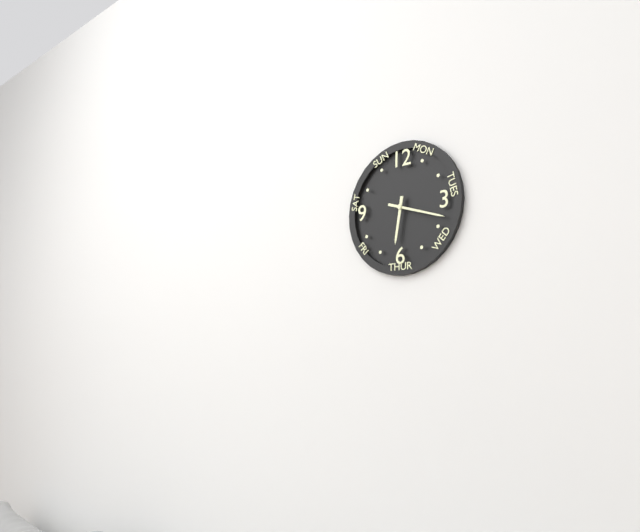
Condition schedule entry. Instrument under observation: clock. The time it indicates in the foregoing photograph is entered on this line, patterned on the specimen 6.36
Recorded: 6.18
